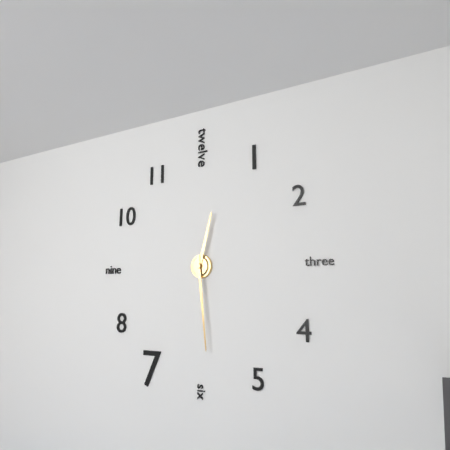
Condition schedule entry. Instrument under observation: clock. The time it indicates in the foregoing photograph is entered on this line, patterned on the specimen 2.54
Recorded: 12.29
